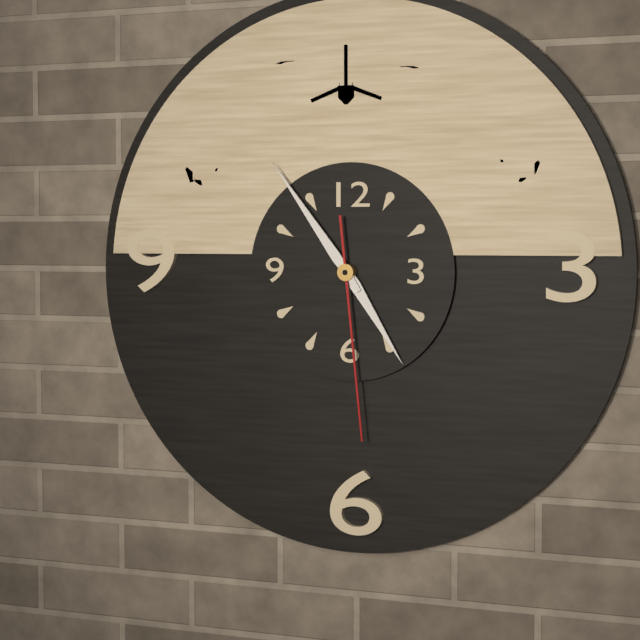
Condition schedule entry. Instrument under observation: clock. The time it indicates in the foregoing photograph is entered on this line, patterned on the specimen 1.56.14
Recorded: 4.54.29
